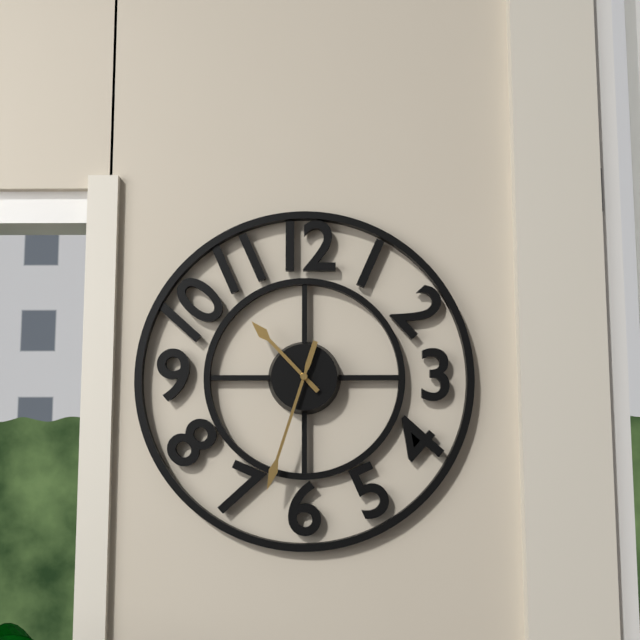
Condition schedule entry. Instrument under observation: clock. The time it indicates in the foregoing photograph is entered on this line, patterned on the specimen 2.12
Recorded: 10.33
